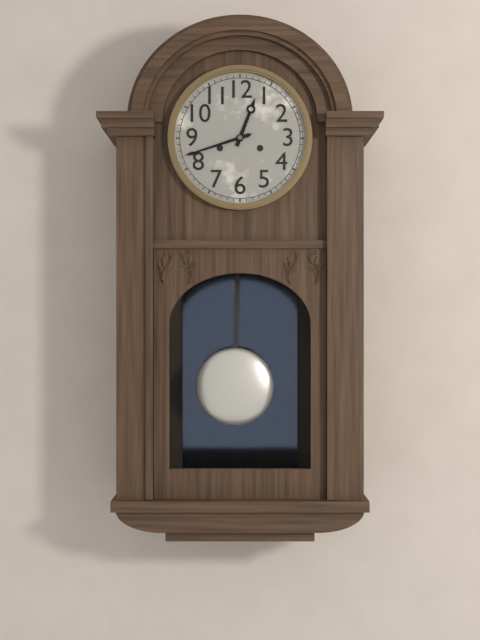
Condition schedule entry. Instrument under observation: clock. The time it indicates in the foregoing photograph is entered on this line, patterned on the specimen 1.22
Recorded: 12.42
